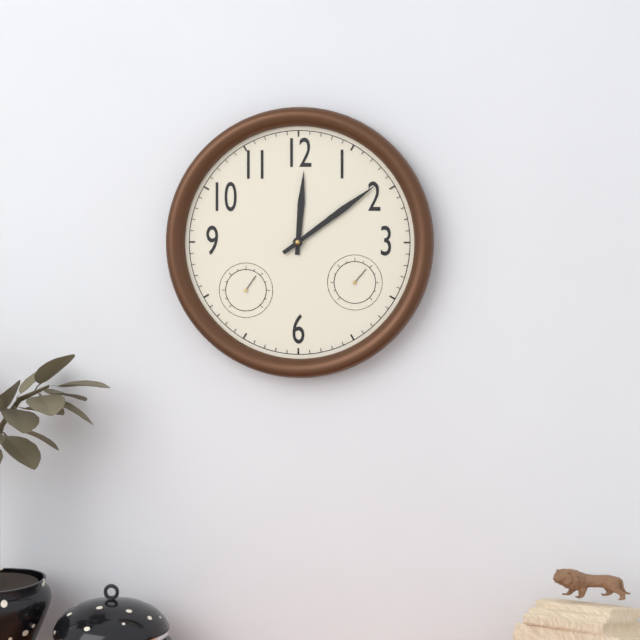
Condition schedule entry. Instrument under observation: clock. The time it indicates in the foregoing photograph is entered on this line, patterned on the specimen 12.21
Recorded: 12.09
